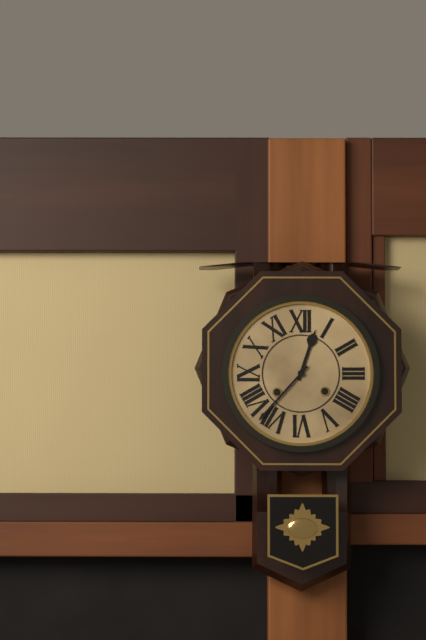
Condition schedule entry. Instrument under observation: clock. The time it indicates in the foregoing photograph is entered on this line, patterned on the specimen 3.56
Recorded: 12.37
